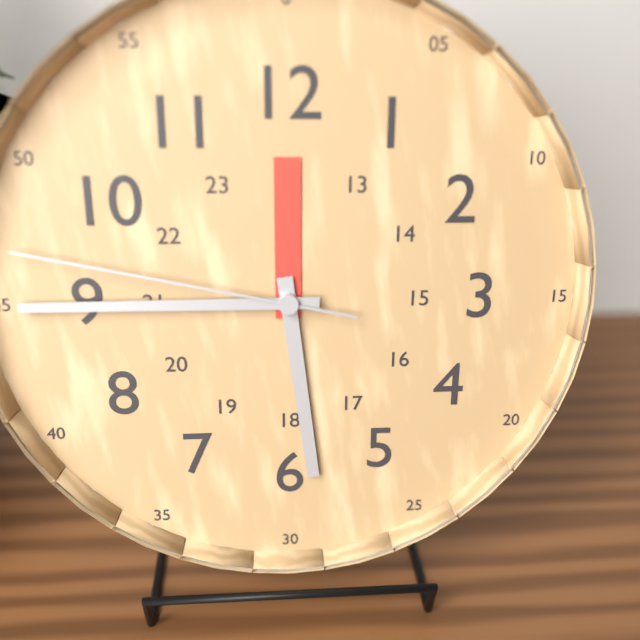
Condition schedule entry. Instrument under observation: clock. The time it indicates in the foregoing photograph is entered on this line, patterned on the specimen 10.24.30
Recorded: 5.45.47
